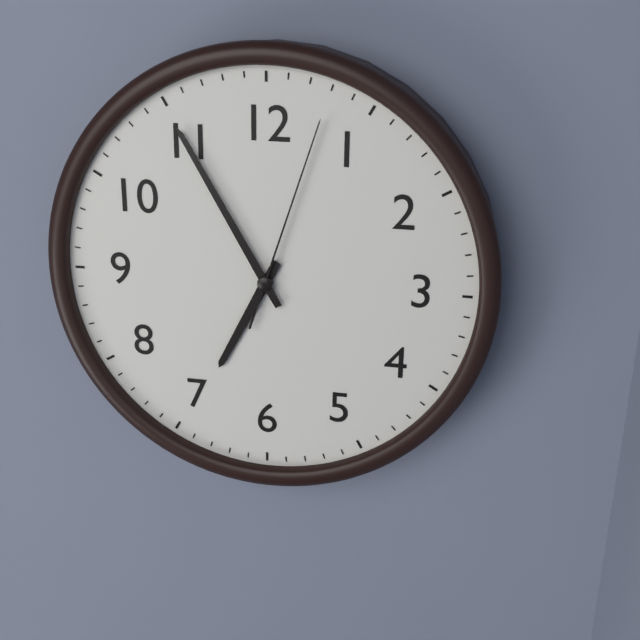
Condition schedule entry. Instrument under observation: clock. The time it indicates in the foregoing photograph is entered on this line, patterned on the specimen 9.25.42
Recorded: 6.55.03
